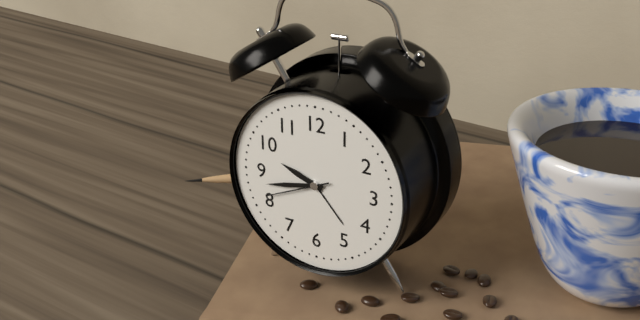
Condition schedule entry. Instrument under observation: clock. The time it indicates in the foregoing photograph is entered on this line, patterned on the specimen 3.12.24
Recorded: 9.43.41
